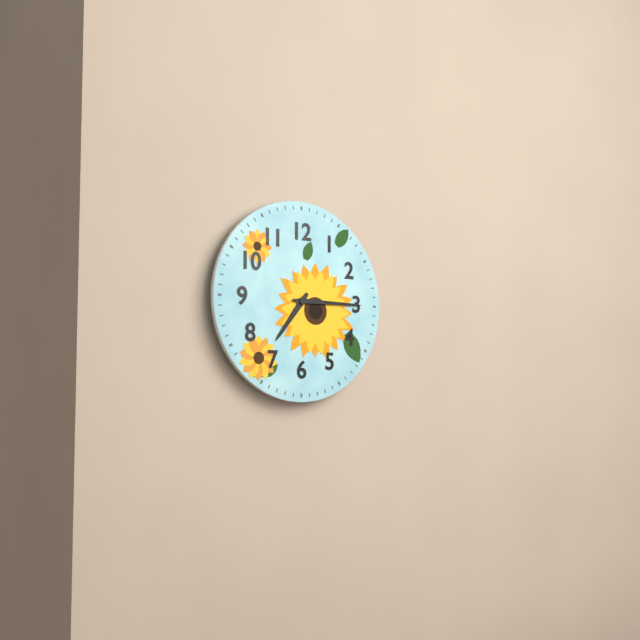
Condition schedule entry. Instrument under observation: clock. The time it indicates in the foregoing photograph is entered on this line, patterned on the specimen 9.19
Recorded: 7.15
